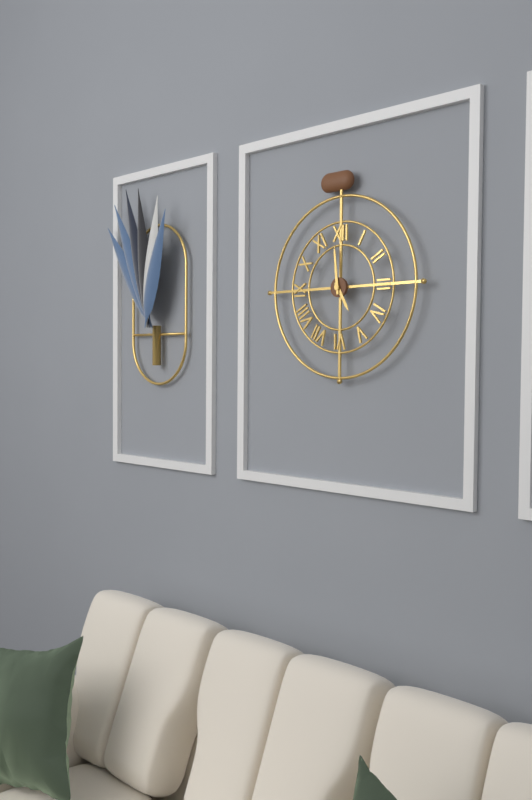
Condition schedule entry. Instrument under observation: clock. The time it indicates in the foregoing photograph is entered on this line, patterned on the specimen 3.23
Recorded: 4.59
